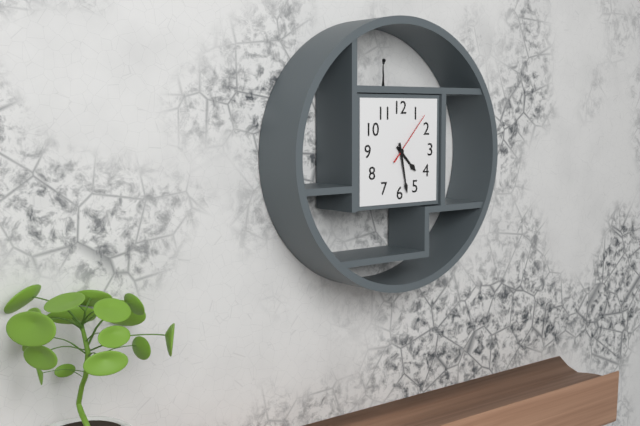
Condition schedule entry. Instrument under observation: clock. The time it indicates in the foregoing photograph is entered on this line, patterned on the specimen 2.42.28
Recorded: 4.28.07
